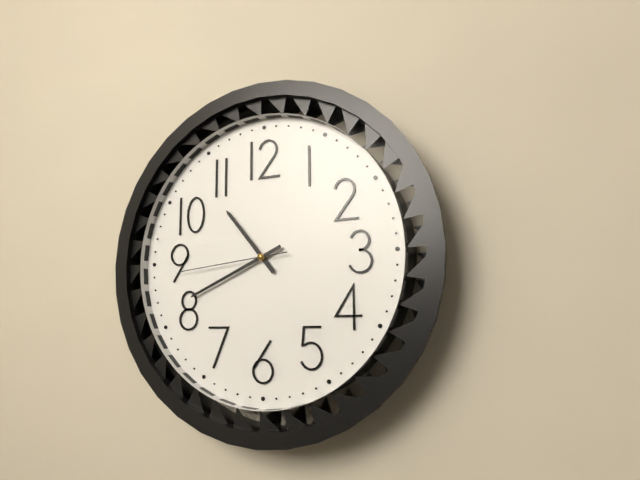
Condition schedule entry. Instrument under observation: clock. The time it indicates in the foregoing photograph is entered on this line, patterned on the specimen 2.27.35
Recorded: 10.41.44
